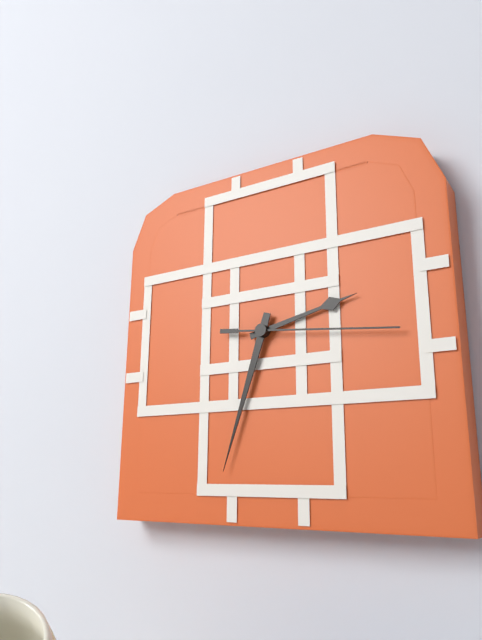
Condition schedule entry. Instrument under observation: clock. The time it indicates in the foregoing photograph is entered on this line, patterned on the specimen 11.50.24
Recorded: 2.33.16
